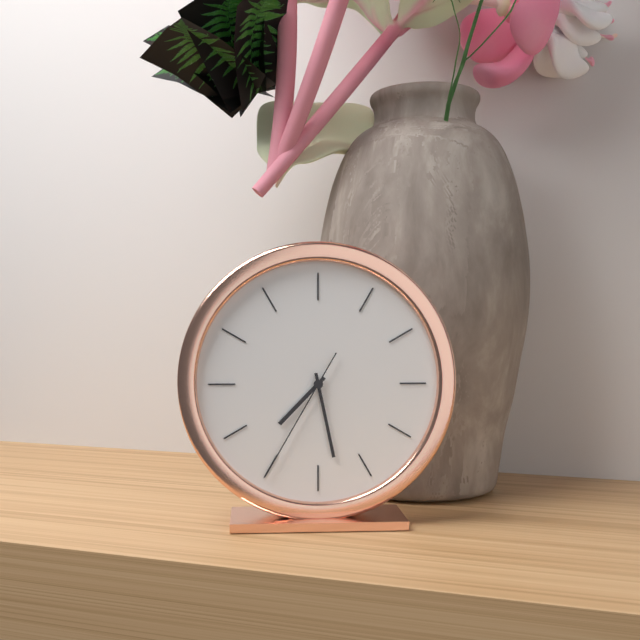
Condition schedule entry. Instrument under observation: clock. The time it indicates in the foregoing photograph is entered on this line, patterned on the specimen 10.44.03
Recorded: 7.28.35
